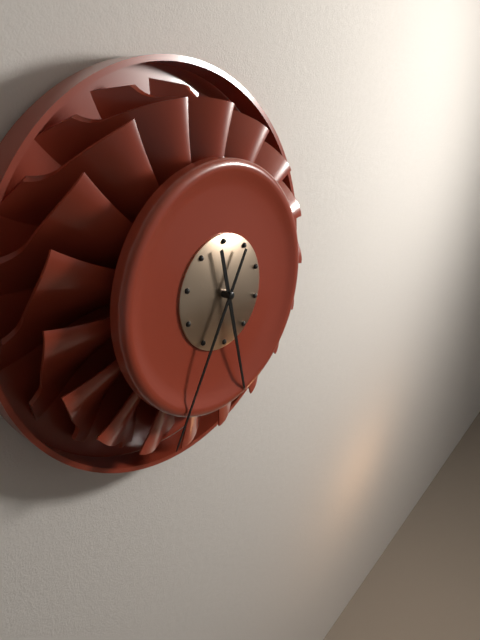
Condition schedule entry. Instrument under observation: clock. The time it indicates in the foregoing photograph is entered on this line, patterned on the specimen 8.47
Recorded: 5.35
